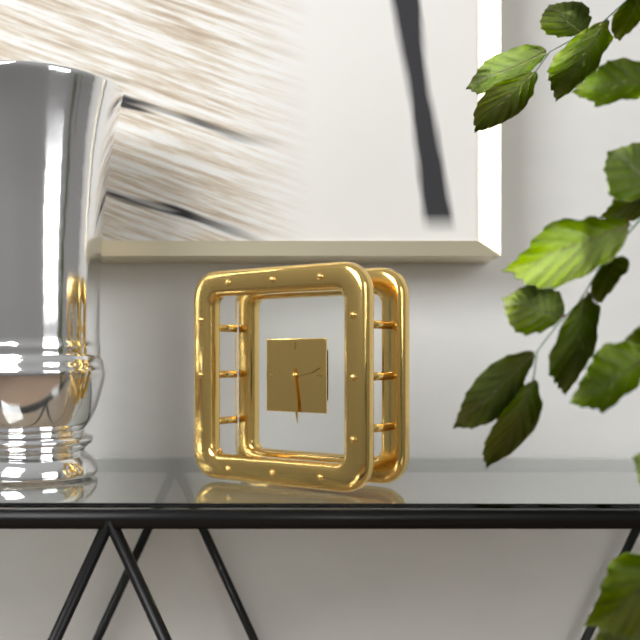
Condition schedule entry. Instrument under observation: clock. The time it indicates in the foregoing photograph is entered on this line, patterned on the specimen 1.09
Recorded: 2.29
